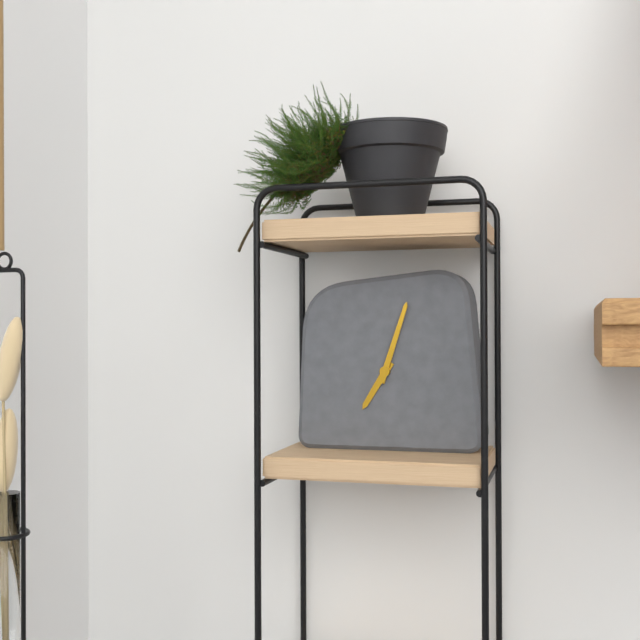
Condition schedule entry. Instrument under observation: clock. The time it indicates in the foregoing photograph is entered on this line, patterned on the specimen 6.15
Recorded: 7.03
